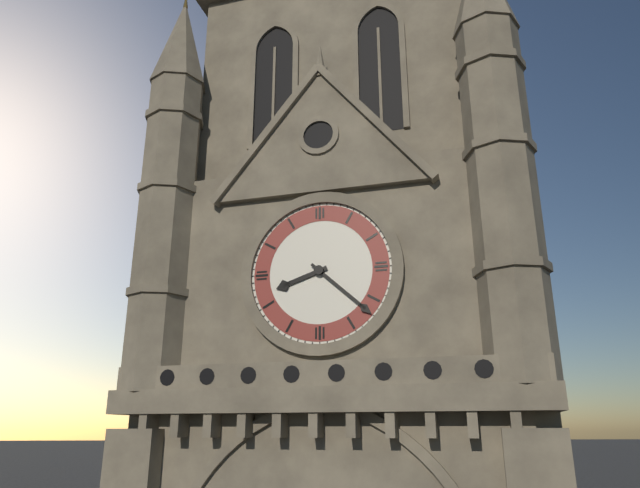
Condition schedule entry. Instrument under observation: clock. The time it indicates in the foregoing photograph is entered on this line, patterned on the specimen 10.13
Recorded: 8.22
